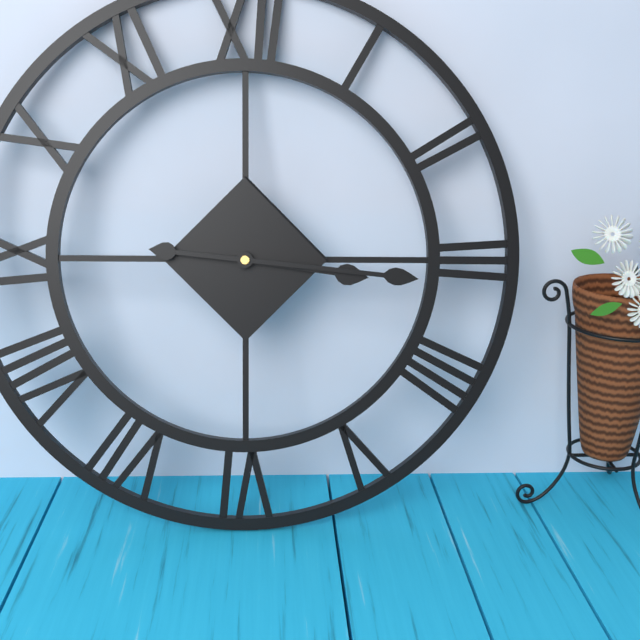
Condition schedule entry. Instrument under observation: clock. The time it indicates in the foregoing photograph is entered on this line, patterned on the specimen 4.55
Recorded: 3.16
